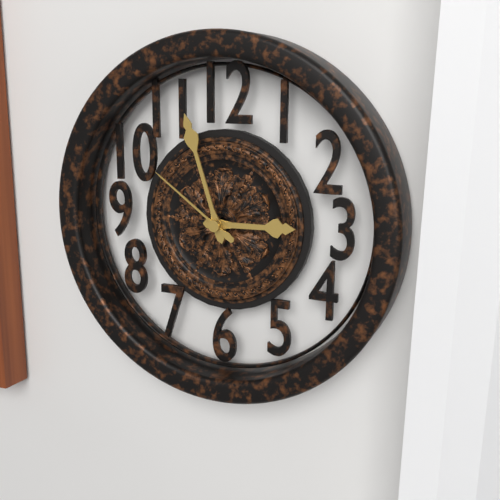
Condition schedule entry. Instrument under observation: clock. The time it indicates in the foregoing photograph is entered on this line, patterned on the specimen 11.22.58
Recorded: 2.57.51
